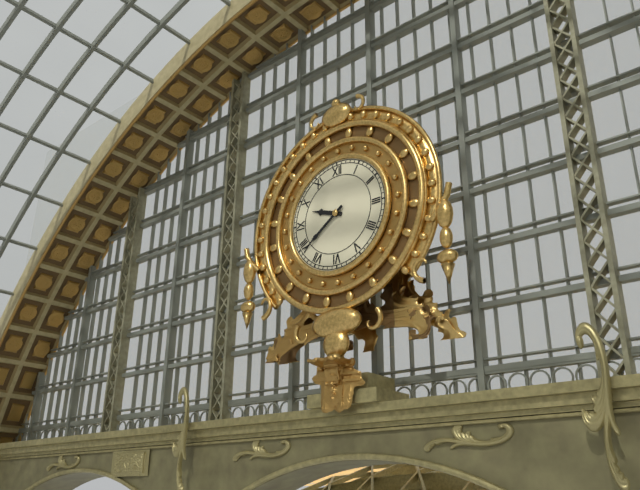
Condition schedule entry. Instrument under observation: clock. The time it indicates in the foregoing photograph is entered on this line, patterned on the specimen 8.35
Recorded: 9.39
